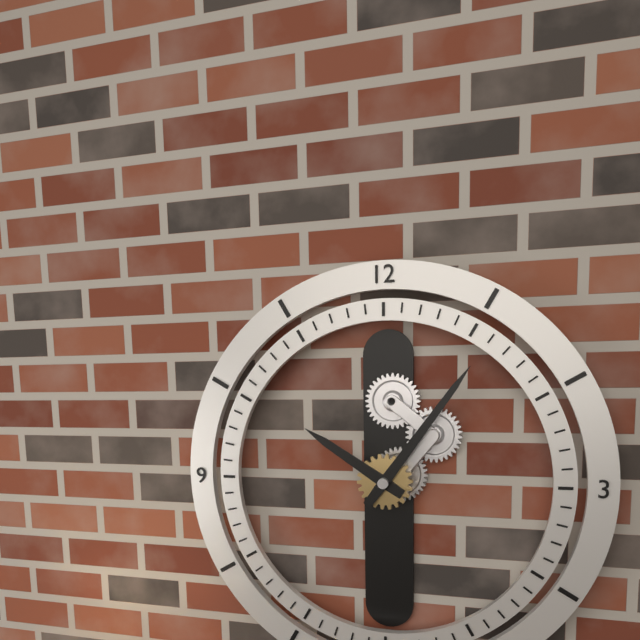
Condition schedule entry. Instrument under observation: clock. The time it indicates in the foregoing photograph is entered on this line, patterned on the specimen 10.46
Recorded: 10.06
